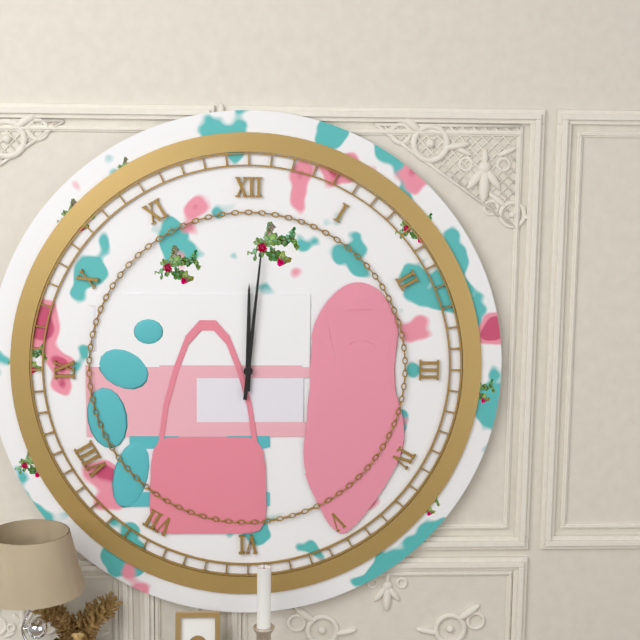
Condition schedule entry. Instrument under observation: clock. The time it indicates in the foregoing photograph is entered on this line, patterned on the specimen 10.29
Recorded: 12.01
